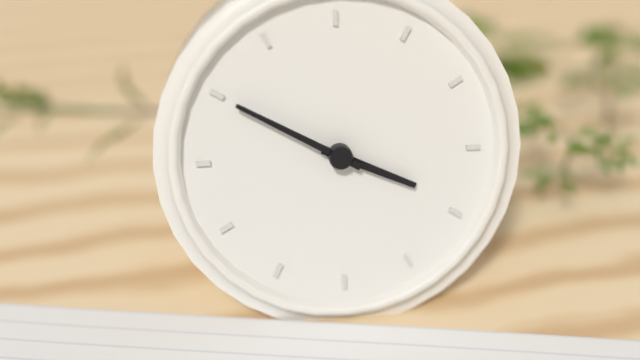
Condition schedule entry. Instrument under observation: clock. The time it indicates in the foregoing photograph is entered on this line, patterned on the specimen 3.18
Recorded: 3.50
